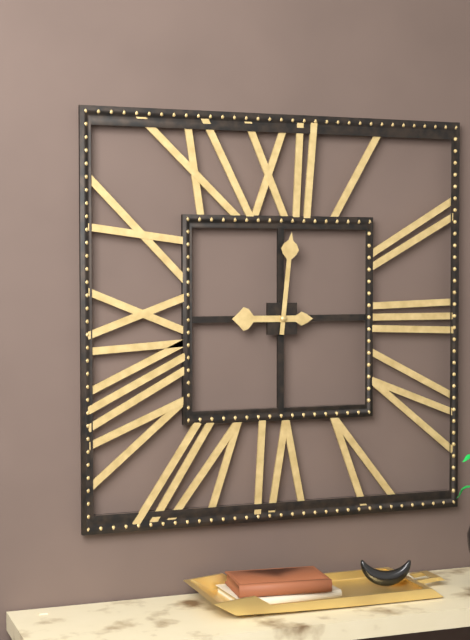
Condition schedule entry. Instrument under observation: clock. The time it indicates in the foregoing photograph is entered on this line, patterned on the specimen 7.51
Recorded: 9.01
